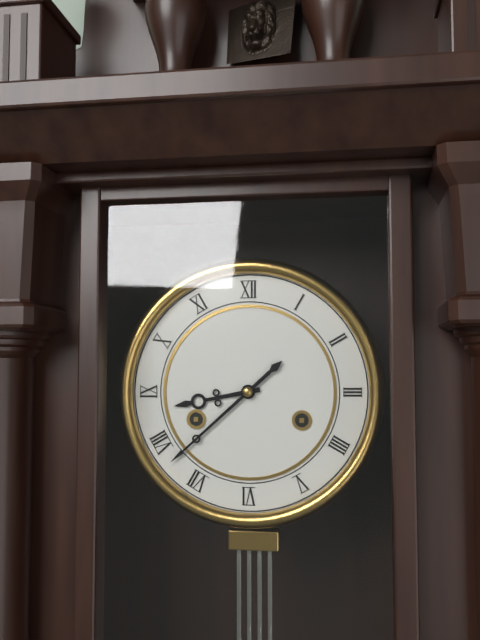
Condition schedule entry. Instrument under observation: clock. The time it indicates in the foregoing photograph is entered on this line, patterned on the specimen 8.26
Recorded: 8.38
